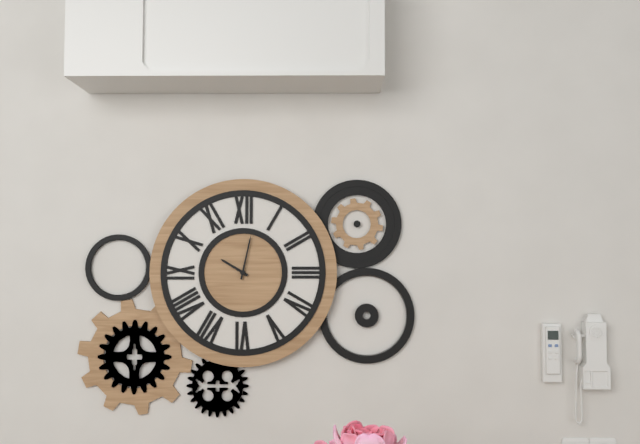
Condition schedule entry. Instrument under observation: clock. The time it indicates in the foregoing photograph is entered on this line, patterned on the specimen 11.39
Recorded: 10.02
